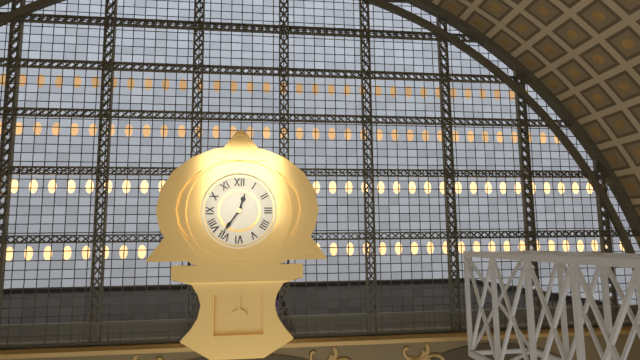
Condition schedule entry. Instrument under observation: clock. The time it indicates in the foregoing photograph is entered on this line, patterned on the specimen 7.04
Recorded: 12.36
